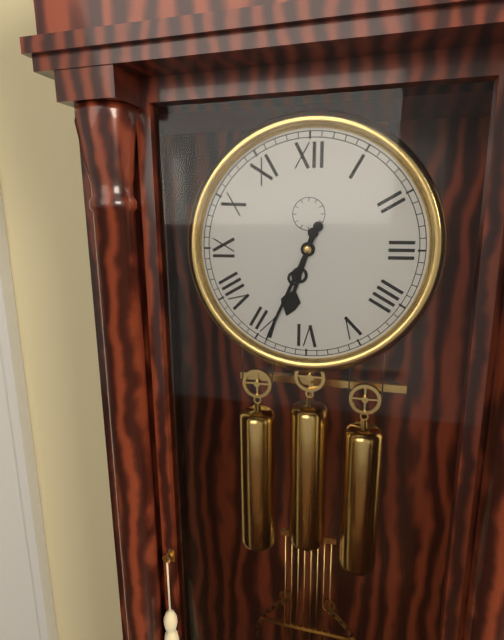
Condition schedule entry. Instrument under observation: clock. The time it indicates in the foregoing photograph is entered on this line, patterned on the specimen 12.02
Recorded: 6.34
